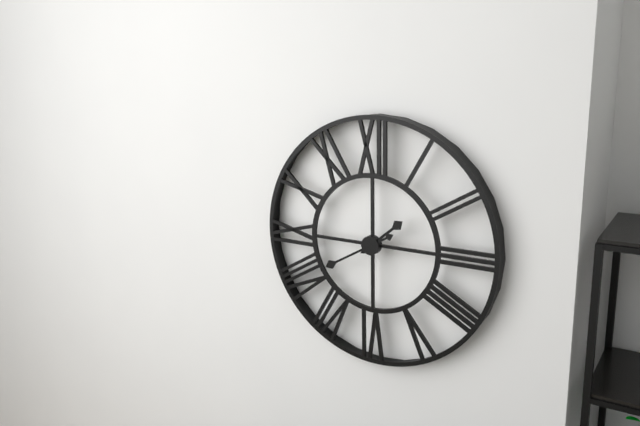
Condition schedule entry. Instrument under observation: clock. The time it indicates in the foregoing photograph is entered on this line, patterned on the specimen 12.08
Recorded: 1.40
